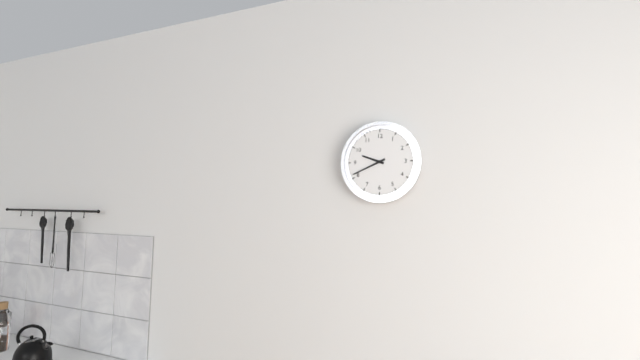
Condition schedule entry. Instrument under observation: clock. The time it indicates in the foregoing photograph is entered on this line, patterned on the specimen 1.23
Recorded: 9.41
